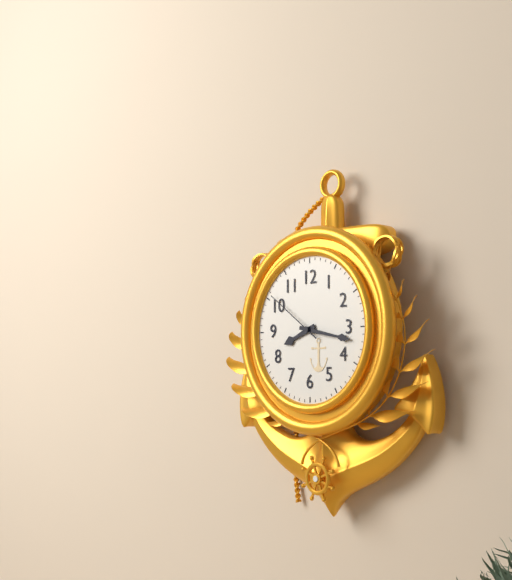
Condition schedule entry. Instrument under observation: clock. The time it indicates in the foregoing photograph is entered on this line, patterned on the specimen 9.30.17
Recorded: 8.17.51
